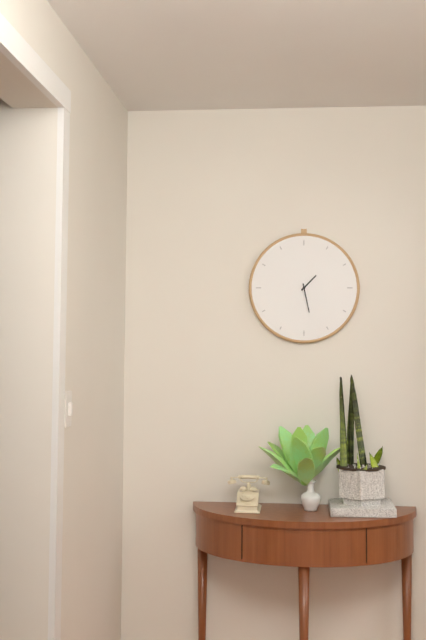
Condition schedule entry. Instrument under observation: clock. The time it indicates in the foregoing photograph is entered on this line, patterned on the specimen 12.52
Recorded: 1.28
